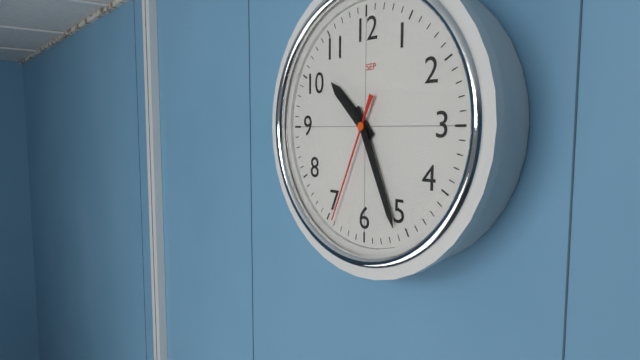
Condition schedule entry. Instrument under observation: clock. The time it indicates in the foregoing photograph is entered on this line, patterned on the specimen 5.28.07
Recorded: 10.26.34
